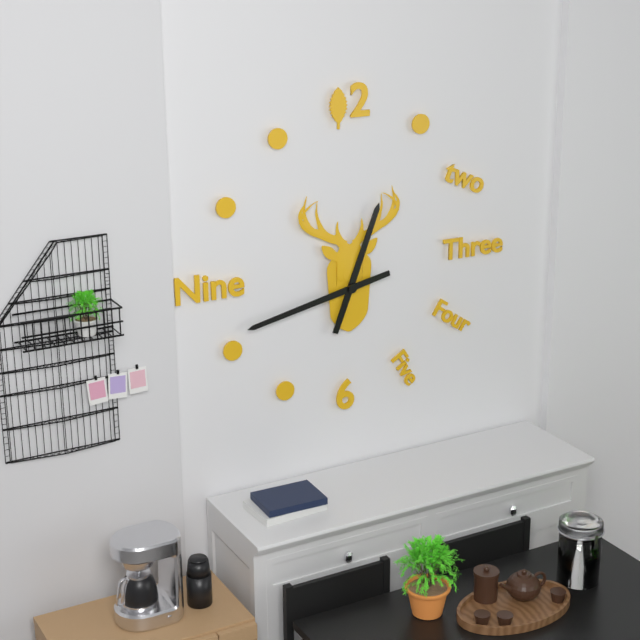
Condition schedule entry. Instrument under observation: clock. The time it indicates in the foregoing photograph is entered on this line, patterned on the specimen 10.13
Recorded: 12.43
